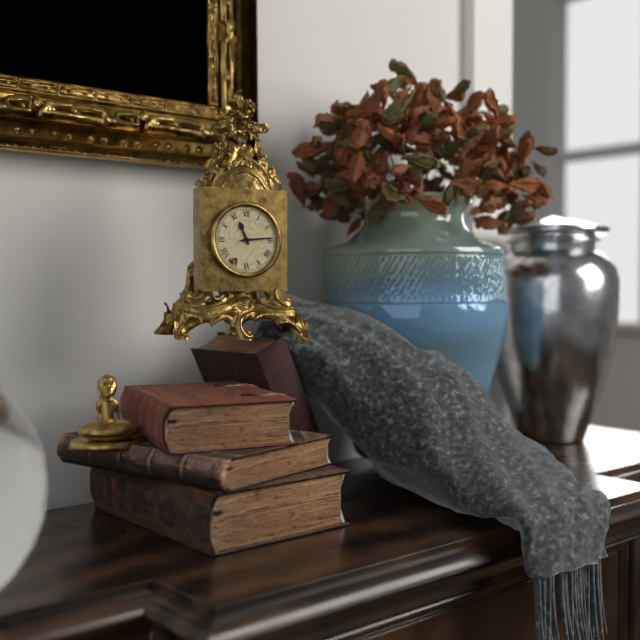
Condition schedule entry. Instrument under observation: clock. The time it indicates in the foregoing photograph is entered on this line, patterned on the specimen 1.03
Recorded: 11.14
